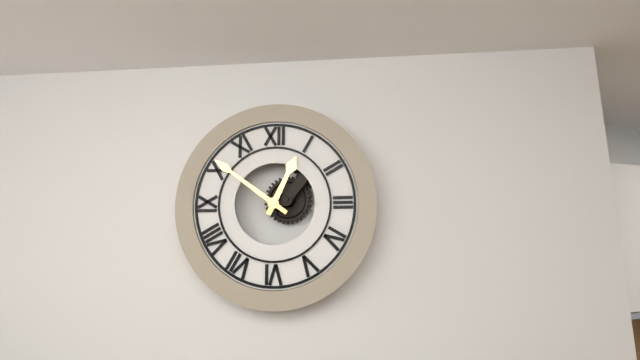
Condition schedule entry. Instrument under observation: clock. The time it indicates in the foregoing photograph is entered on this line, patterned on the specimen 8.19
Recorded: 12.51
